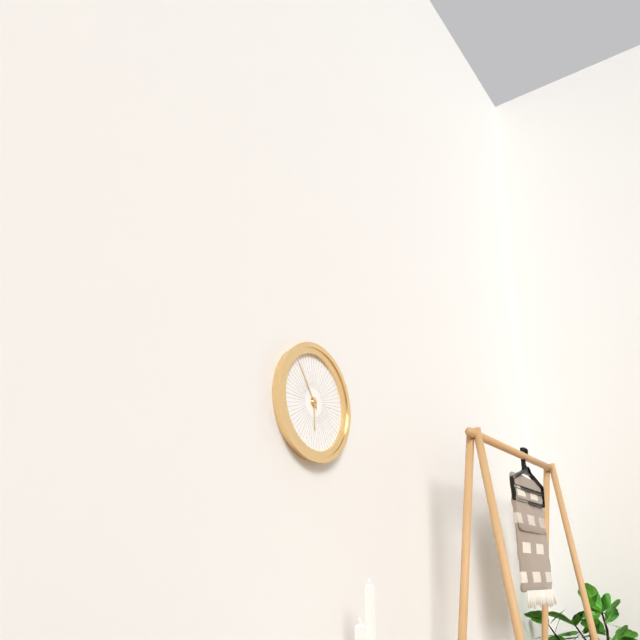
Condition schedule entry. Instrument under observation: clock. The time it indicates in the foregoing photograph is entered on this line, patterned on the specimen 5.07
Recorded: 5.54
